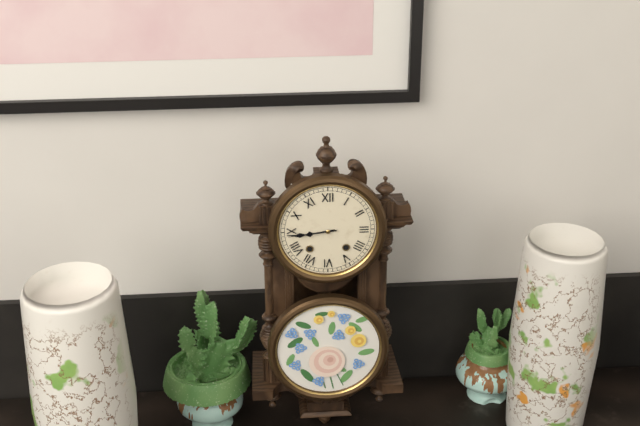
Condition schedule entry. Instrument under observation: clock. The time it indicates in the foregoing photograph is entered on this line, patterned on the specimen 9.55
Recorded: 8.44
